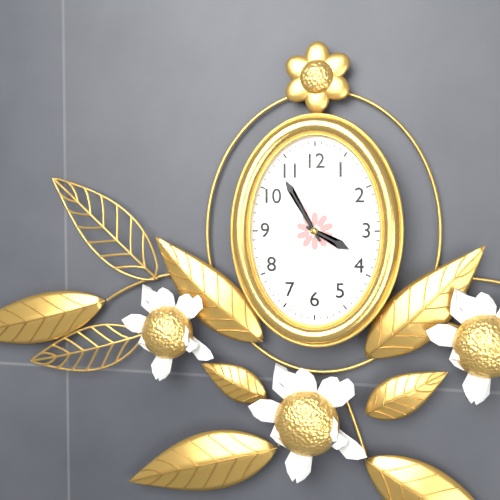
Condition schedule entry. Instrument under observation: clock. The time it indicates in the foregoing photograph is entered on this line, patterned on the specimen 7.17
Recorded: 3.55
